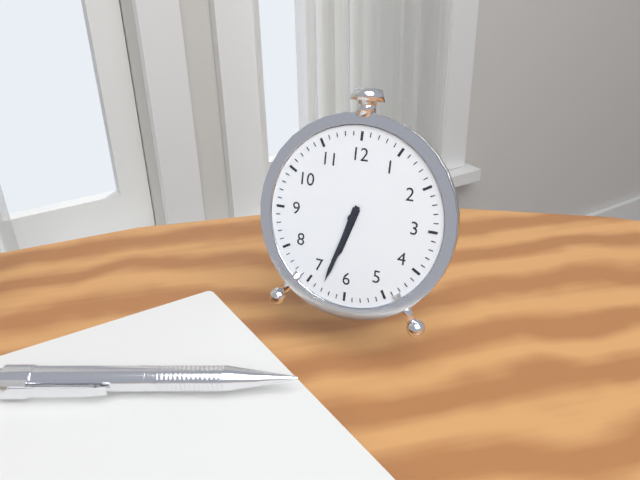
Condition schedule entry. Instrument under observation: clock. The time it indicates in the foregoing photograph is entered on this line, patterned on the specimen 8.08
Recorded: 6.33
